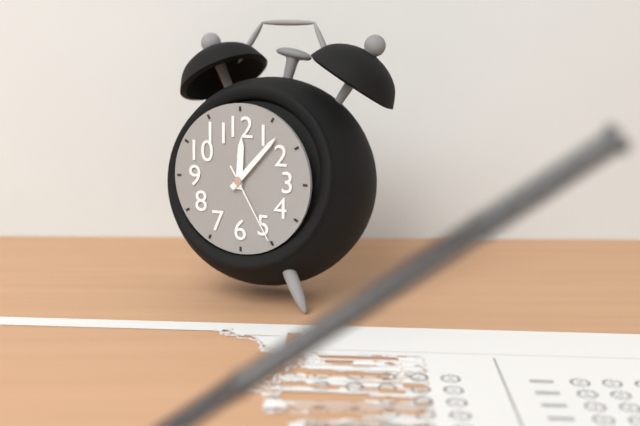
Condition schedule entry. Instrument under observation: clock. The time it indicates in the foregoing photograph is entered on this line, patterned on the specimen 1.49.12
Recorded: 12.07.25
